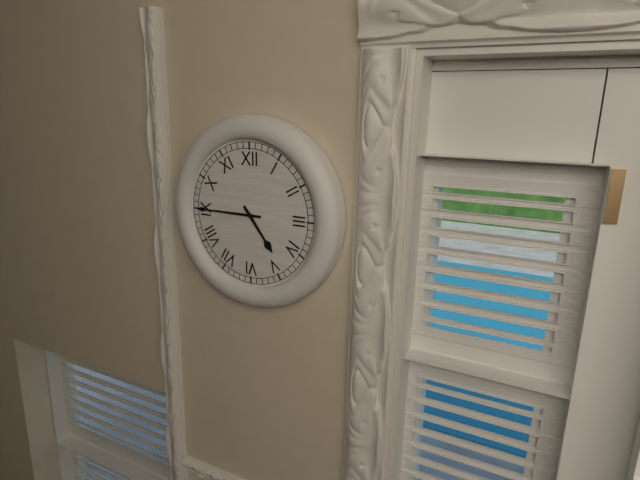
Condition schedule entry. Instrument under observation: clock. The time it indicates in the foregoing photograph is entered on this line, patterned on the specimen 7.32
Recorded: 4.45
